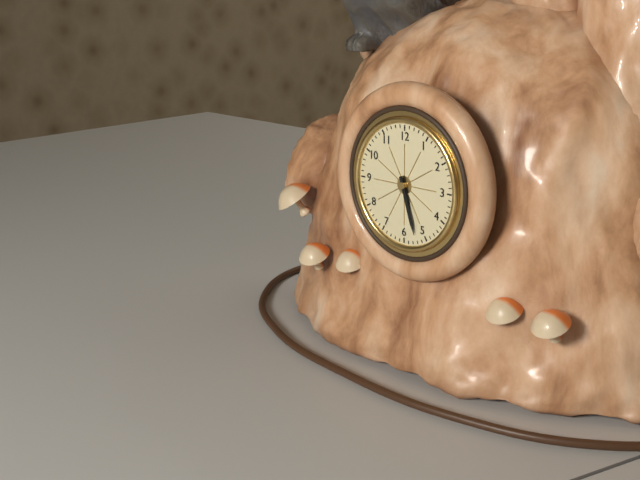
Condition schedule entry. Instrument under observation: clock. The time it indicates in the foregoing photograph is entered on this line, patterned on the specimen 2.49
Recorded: 5.27
